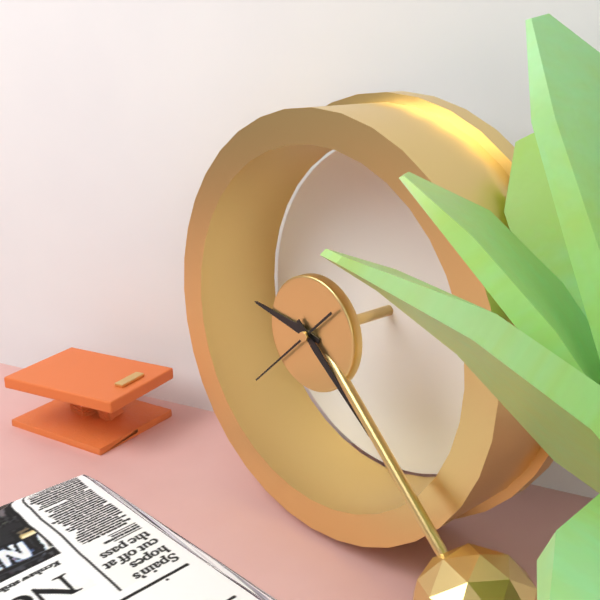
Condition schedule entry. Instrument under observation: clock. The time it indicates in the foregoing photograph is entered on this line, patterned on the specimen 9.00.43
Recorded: 9.22.38
